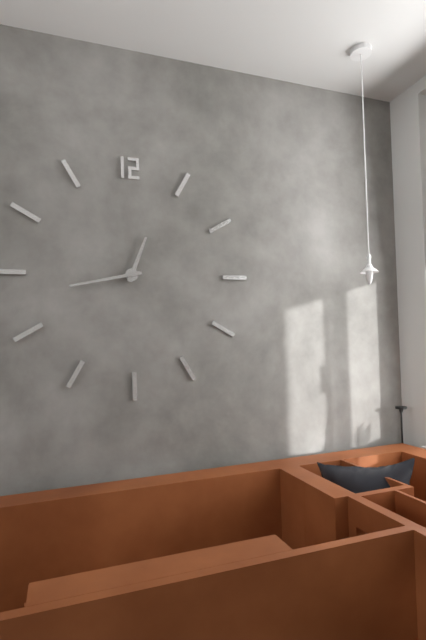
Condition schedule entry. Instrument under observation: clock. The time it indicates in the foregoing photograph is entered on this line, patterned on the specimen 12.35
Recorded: 12.43
